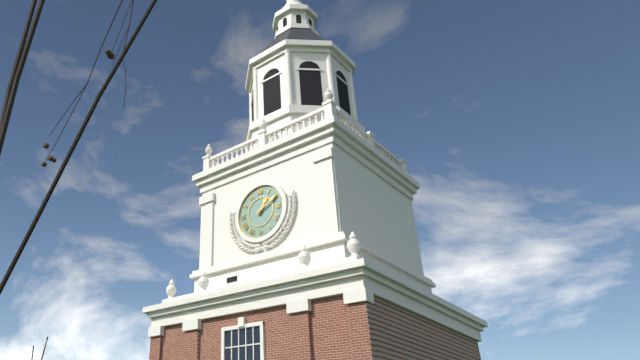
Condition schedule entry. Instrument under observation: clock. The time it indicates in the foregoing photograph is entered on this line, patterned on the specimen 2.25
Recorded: 1.10
